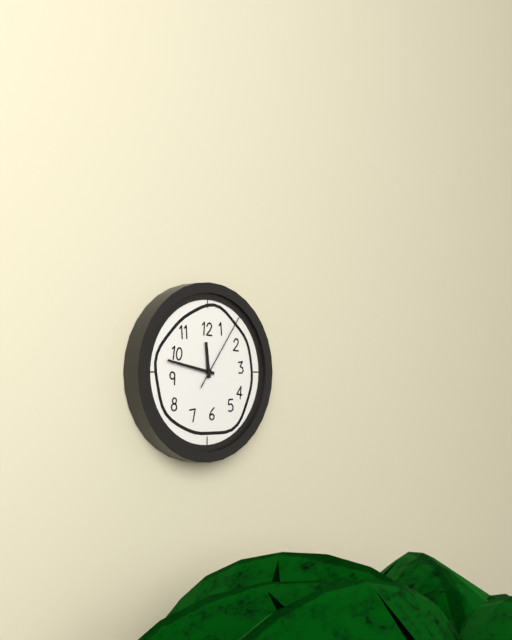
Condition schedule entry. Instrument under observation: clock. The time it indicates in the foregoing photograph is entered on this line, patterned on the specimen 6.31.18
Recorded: 11.47.06
